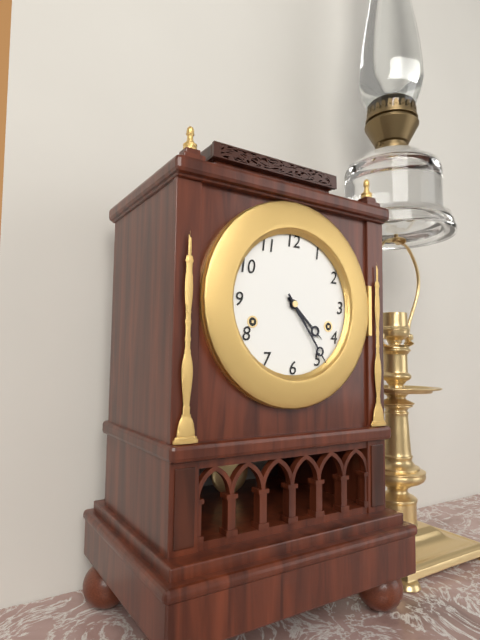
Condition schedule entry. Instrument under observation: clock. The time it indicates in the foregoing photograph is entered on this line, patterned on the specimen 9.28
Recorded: 4.24
